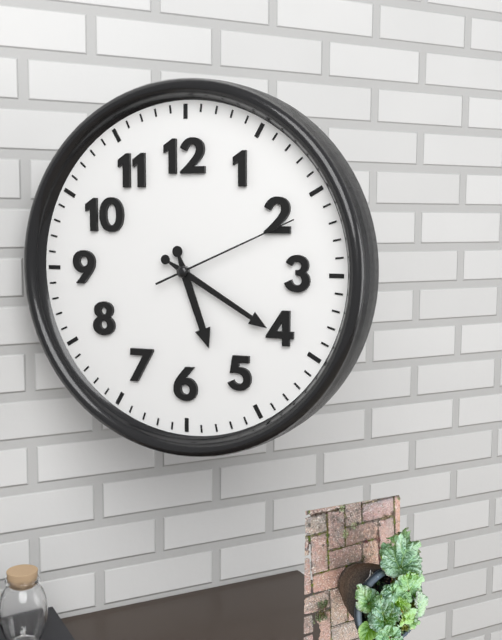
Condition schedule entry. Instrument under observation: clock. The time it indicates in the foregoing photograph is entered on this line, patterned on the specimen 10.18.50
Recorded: 5.20.11
